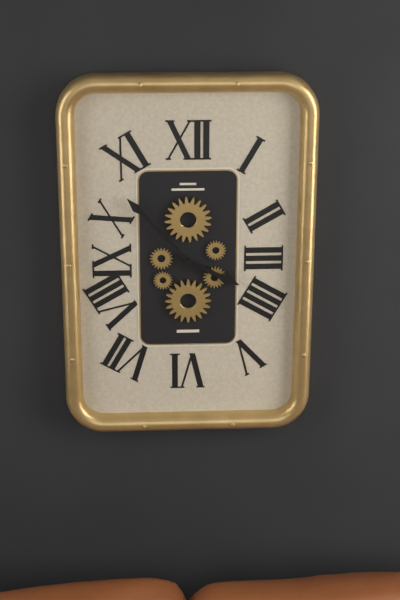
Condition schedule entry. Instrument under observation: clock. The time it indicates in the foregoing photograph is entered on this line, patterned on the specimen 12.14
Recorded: 3.53
